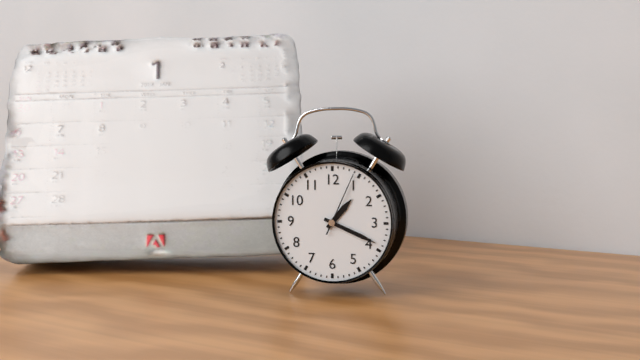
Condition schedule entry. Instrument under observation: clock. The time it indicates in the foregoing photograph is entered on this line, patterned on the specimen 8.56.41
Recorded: 1.19.04
